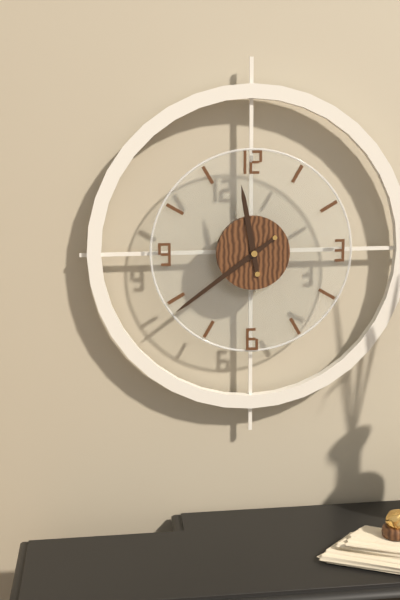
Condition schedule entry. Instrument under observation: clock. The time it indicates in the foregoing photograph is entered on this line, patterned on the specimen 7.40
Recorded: 11.39
